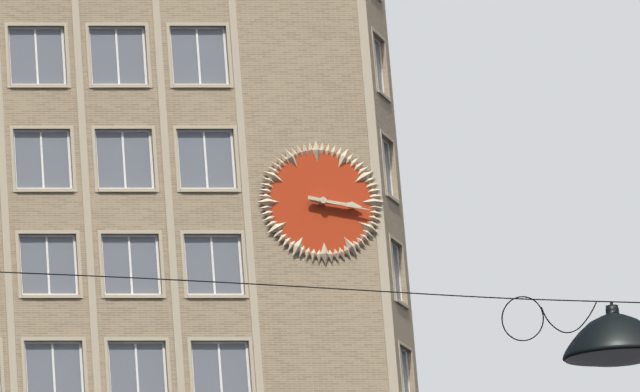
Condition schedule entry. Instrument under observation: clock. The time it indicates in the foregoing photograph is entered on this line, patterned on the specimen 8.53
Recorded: 3.17
